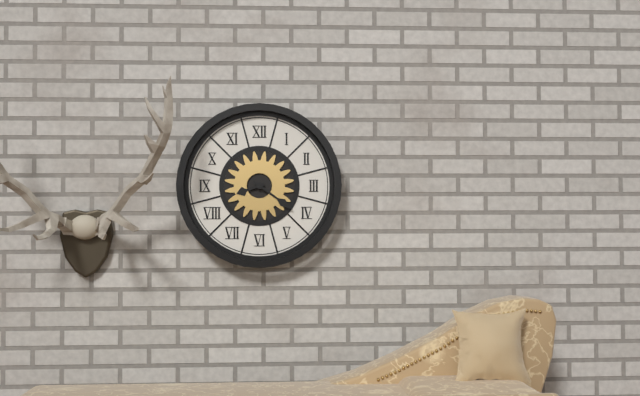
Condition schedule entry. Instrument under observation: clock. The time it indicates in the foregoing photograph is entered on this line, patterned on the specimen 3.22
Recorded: 8.21
